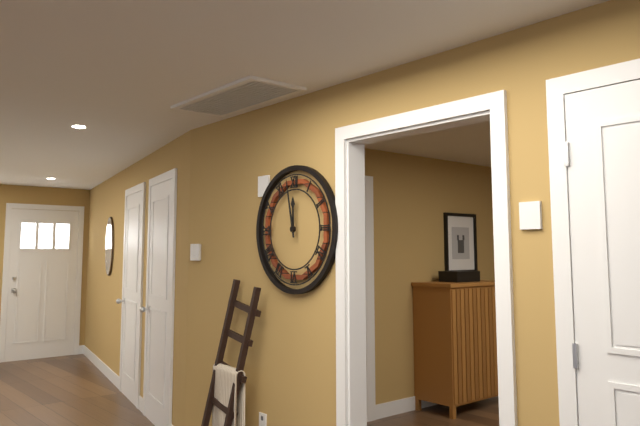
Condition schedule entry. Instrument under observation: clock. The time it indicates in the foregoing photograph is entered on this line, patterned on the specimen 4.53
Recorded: 11.58
